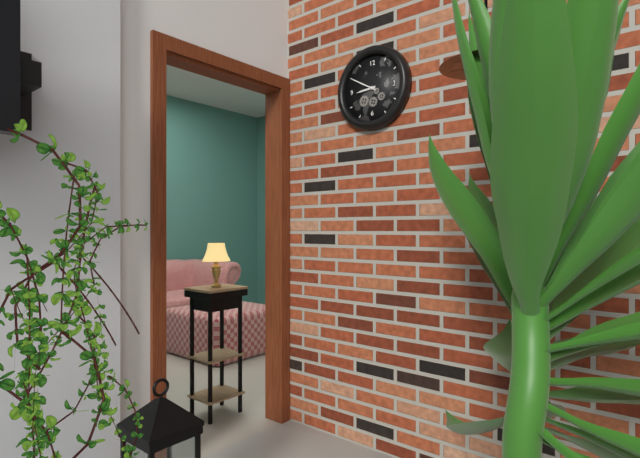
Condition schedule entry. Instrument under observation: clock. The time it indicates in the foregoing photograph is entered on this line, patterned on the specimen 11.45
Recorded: 8.50
